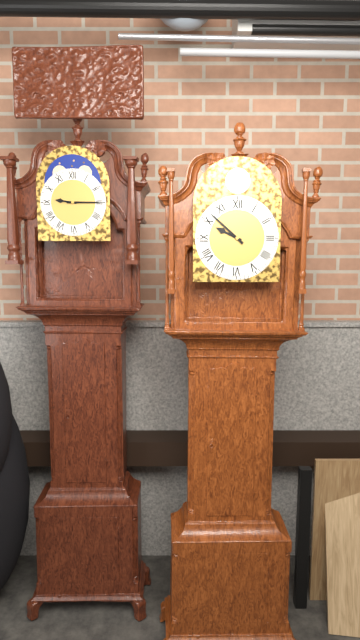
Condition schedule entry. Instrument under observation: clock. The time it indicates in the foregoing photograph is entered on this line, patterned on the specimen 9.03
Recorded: 9.52
